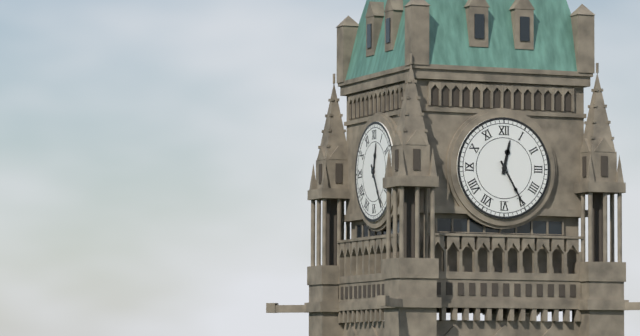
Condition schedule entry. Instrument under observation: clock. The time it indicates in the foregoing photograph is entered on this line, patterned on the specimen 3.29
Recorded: 12.25
